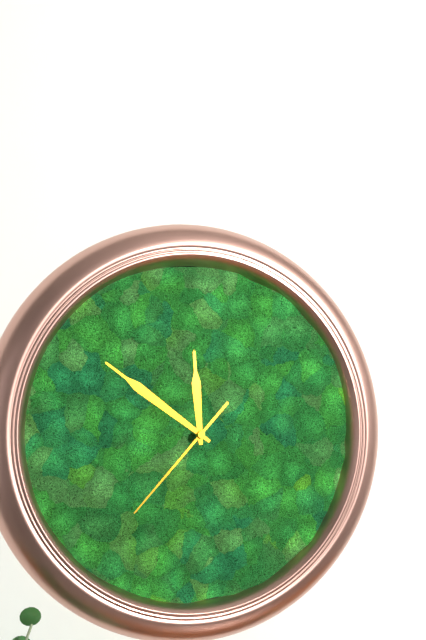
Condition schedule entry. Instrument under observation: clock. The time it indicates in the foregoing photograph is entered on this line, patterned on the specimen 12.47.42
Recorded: 11.51.37
